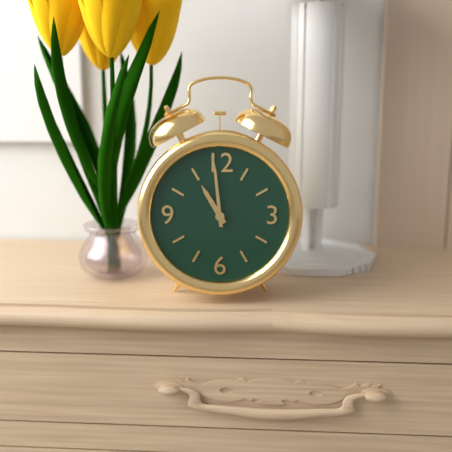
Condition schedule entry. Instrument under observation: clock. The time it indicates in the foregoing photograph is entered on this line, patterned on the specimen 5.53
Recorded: 10.59
